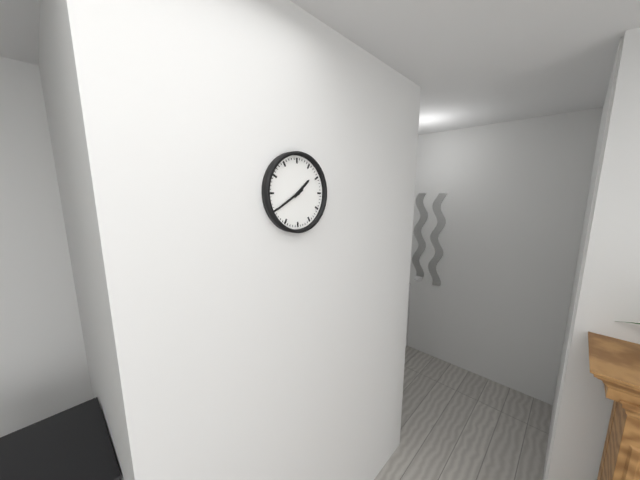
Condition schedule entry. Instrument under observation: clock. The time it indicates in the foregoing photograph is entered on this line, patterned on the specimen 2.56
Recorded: 1.40
